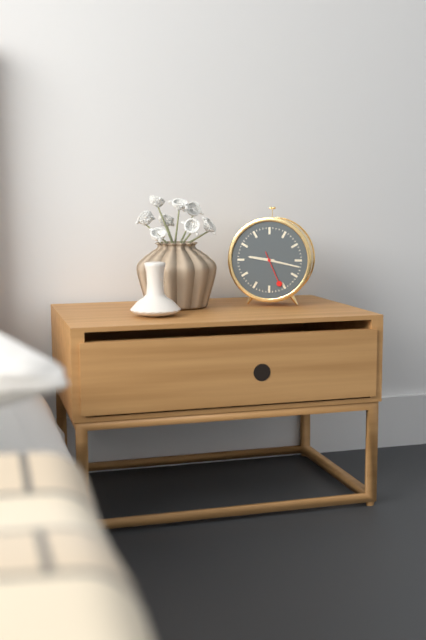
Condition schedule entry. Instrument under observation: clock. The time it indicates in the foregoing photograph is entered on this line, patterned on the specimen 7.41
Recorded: 9.17
